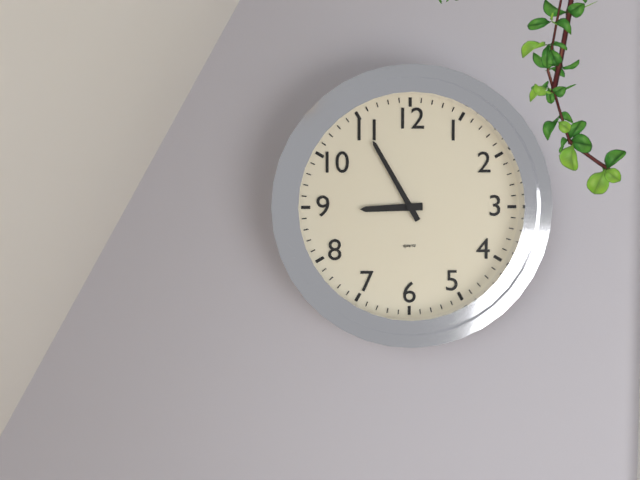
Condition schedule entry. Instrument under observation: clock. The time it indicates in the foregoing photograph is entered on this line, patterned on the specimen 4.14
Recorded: 8.55
